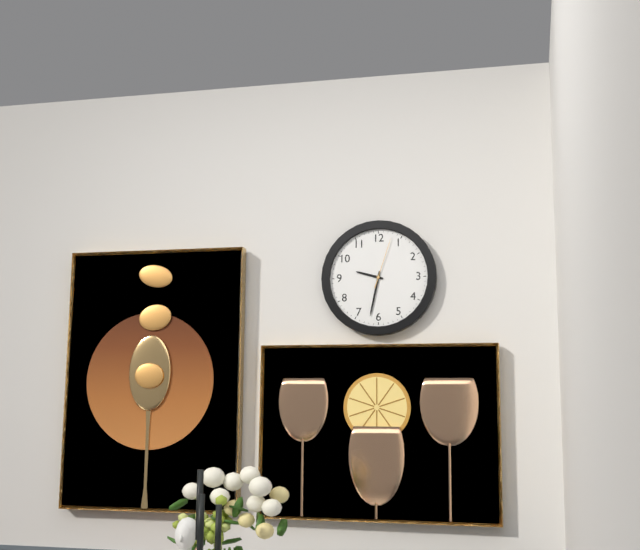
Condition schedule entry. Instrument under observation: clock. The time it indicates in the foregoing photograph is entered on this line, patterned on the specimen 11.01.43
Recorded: 9.32.03
